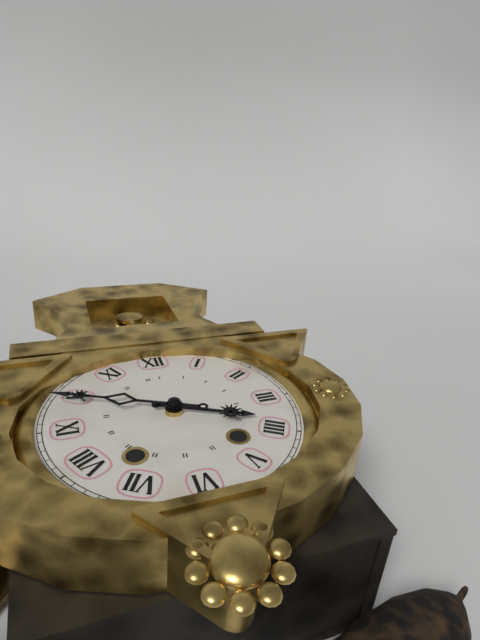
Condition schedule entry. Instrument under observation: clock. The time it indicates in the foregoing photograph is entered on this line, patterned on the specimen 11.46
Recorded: 3.49
